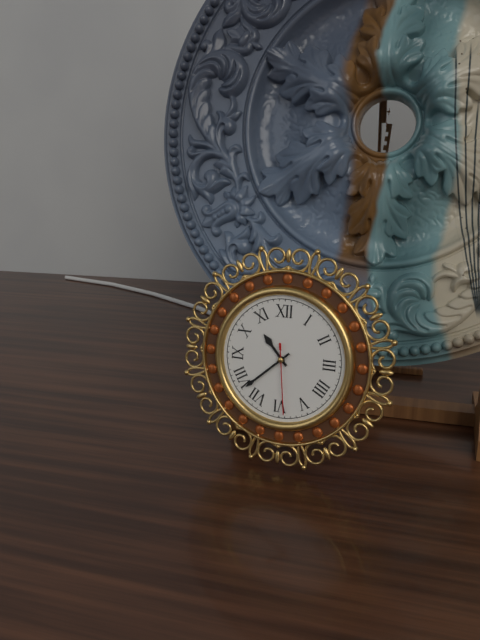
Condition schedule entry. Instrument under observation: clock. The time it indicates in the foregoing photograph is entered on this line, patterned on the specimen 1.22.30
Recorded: 10.38.29
